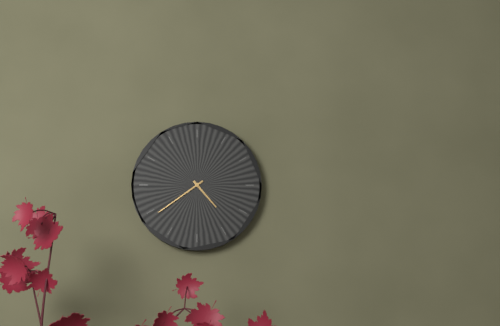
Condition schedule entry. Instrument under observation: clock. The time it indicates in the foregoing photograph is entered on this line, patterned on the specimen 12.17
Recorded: 4.39
